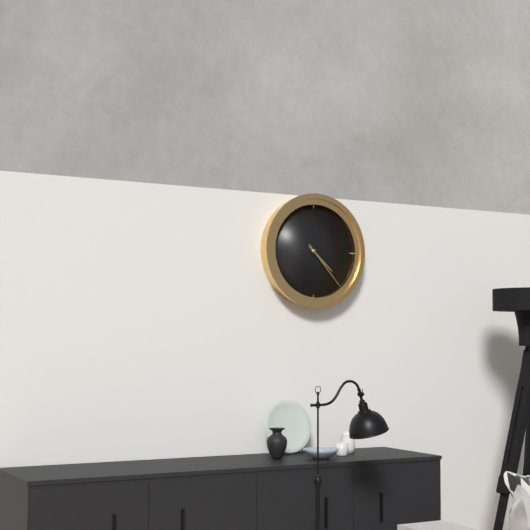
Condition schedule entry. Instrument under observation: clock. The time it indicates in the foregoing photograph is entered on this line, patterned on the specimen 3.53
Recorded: 4.23
